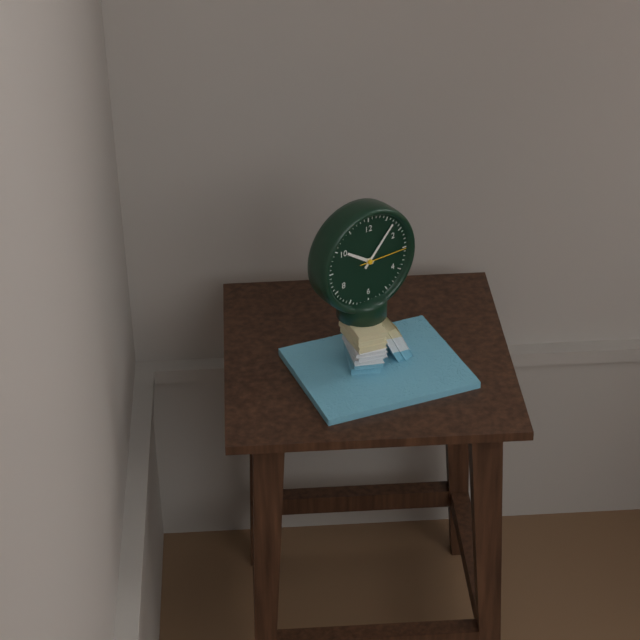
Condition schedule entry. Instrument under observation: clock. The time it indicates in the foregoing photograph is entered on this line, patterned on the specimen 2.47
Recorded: 10.07
